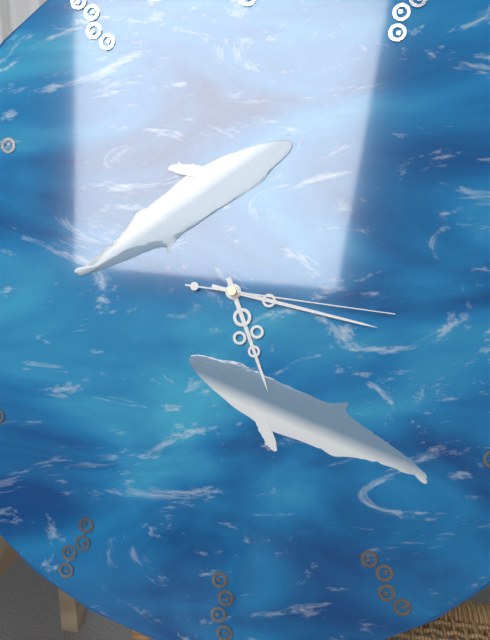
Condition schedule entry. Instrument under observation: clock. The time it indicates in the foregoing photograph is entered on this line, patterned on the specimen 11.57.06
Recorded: 5.17.16
